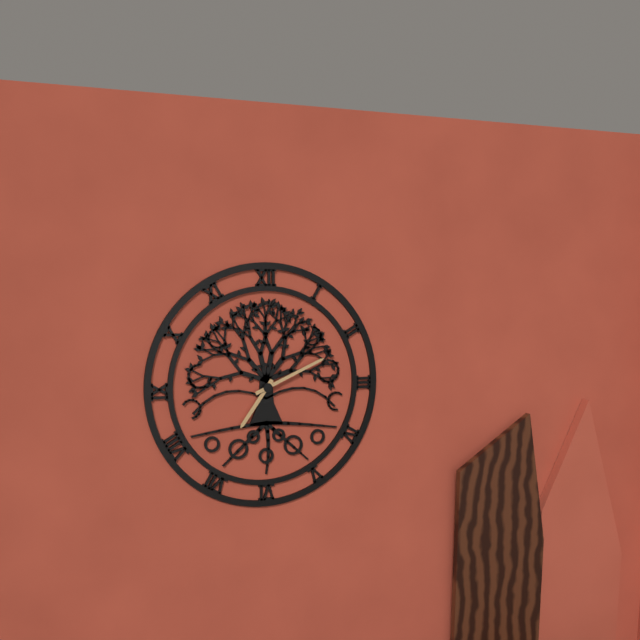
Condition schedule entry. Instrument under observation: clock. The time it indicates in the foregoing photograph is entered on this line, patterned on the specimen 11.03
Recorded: 7.11
